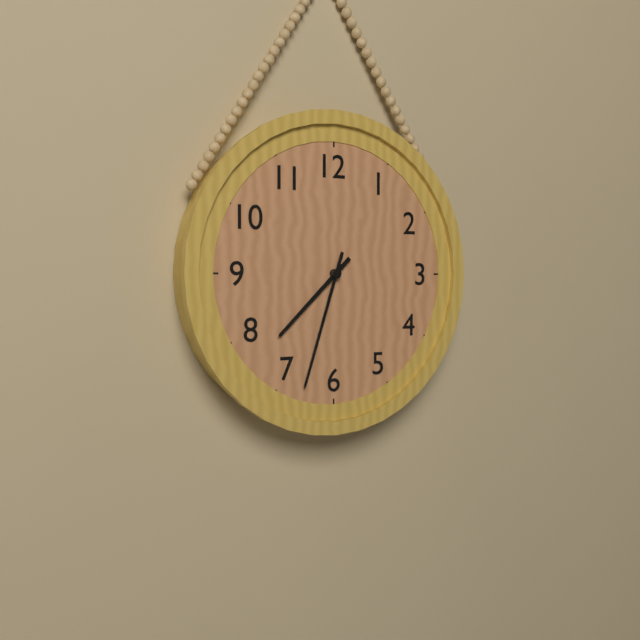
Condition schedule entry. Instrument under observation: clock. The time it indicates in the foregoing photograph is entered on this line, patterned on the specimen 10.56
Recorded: 7.33
